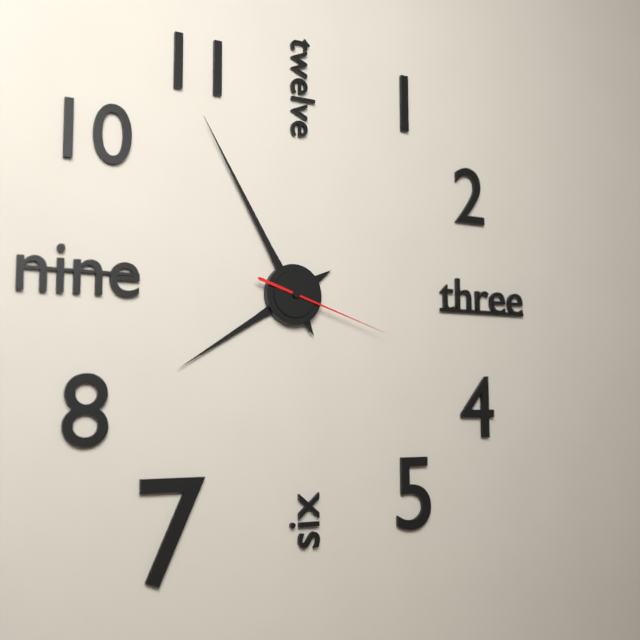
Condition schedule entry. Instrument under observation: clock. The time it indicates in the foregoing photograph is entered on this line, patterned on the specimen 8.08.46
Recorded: 7.55.18
